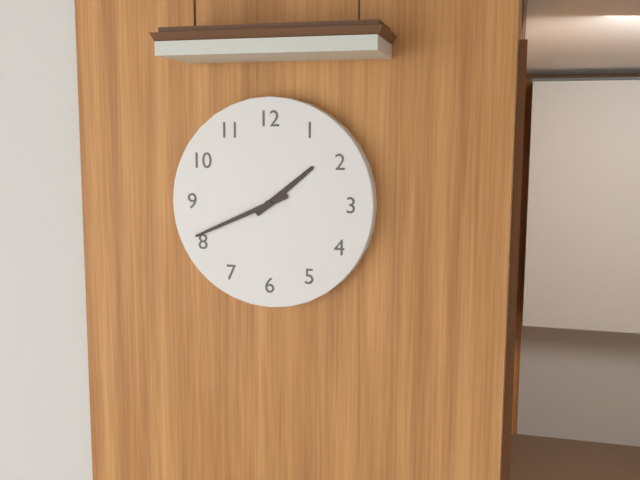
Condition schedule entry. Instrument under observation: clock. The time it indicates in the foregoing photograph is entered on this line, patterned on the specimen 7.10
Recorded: 1.41
